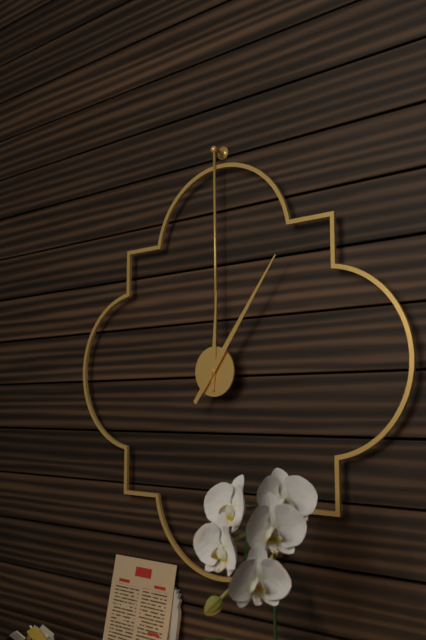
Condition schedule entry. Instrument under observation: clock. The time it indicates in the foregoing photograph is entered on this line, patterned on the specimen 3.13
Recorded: 12.06
